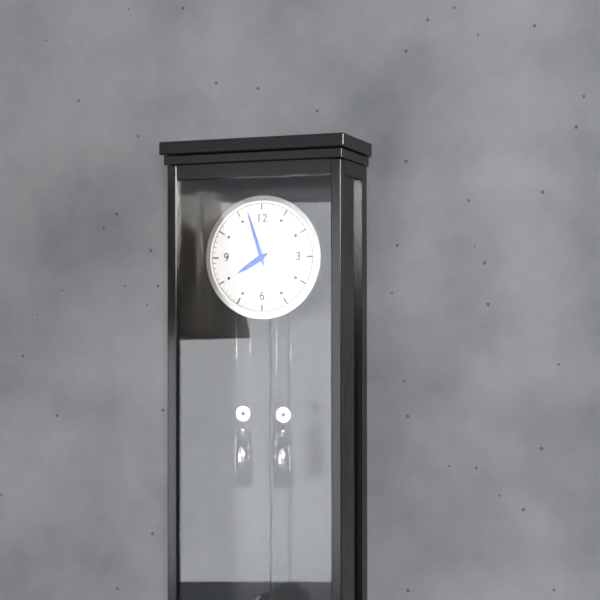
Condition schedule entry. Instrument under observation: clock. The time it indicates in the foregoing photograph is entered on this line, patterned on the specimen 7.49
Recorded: 7.57
